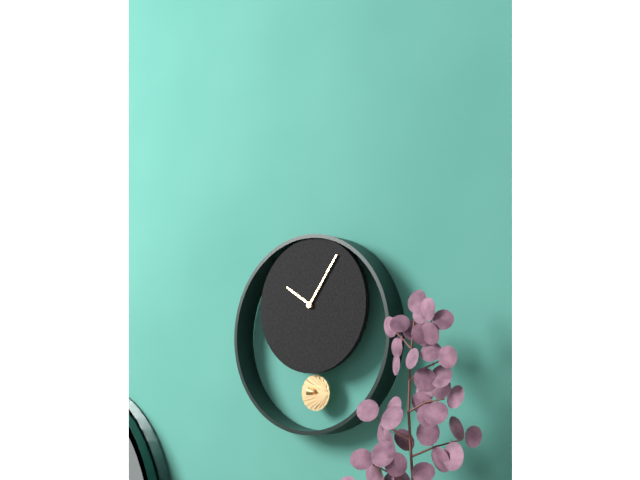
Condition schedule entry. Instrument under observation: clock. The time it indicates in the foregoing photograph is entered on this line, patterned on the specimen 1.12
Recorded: 10.06
